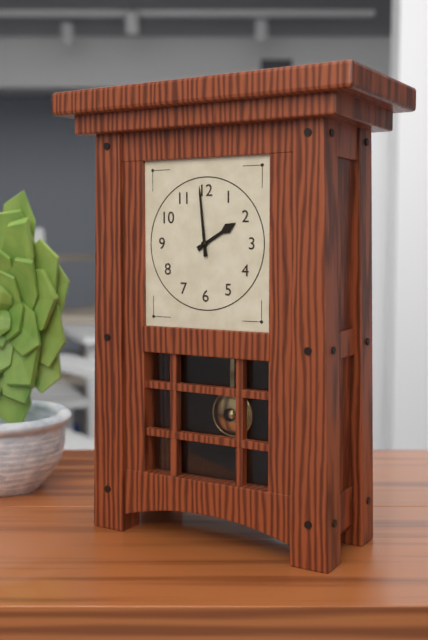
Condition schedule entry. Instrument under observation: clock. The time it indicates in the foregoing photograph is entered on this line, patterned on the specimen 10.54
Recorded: 1.59
